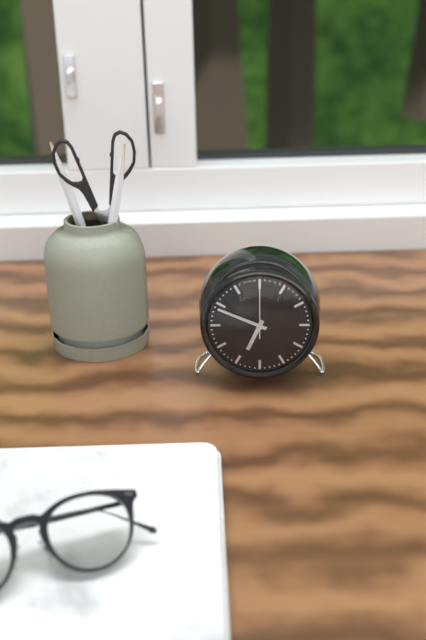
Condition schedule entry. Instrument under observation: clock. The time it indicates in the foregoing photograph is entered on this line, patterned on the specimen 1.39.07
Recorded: 6.49.00
